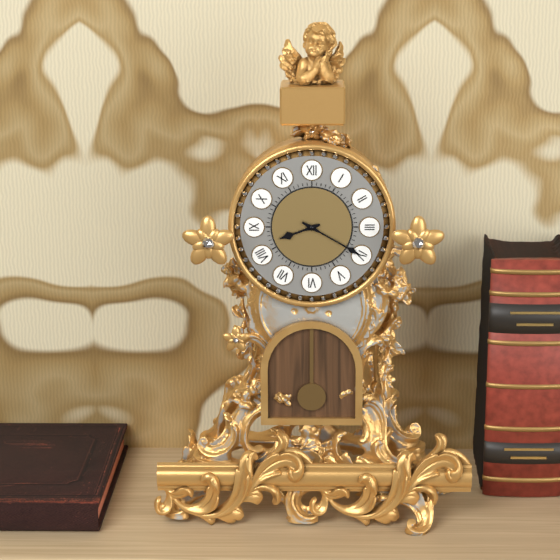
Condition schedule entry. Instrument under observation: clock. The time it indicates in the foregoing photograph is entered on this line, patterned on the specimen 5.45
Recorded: 8.20
